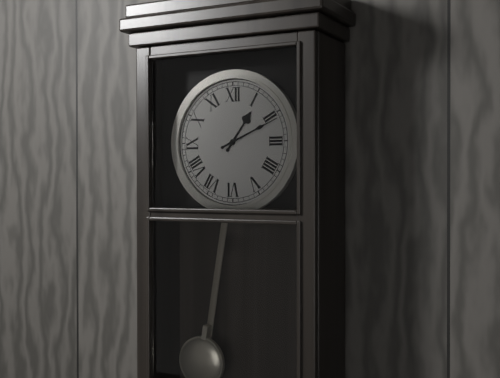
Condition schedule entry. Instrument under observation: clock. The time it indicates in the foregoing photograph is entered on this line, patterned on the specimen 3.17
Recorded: 1.11
